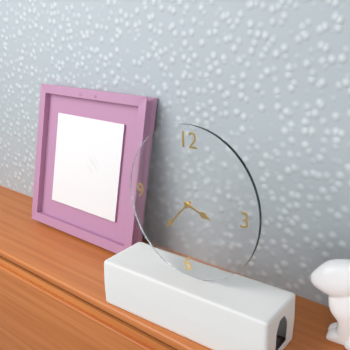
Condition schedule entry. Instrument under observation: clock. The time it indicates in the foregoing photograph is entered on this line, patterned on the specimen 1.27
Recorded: 3.37
